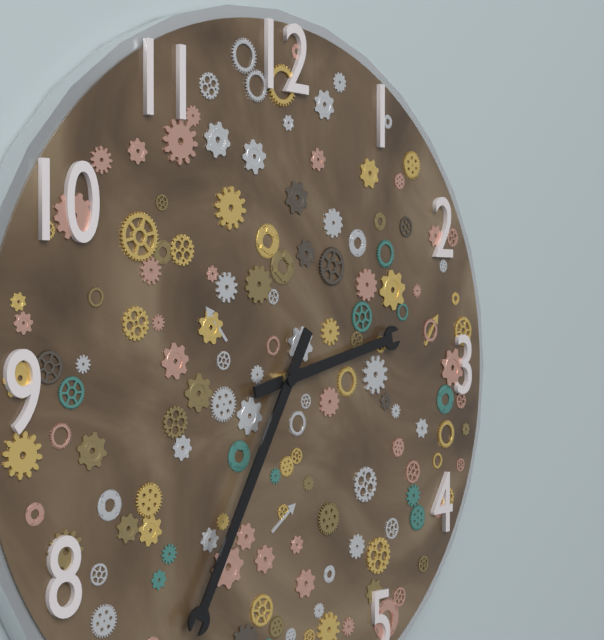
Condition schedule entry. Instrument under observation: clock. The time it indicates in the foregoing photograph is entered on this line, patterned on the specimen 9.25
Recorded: 2.35
